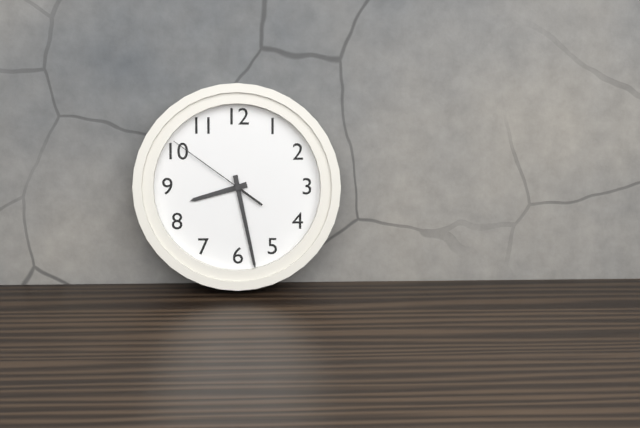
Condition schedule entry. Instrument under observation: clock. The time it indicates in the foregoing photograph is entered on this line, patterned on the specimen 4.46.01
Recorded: 8.28.51
